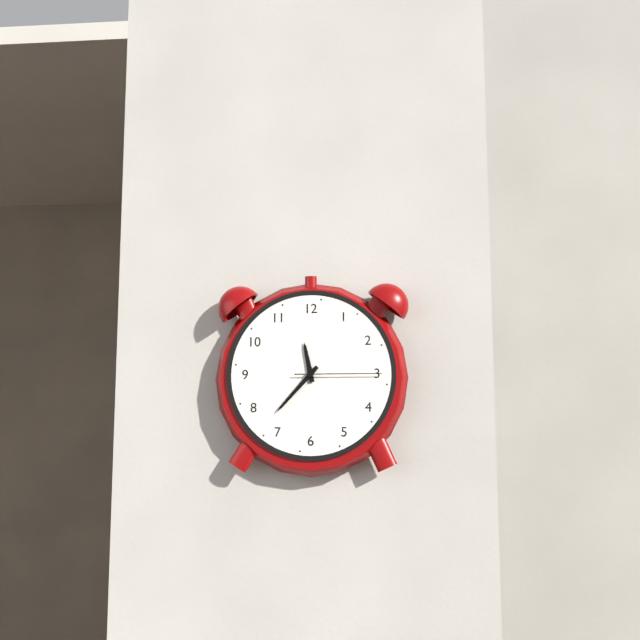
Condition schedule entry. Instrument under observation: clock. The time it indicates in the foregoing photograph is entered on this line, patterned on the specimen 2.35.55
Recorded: 11.37.15
